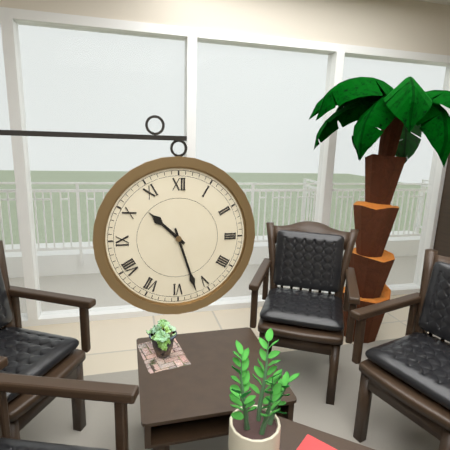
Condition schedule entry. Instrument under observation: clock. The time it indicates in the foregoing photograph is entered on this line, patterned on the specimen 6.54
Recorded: 10.27
